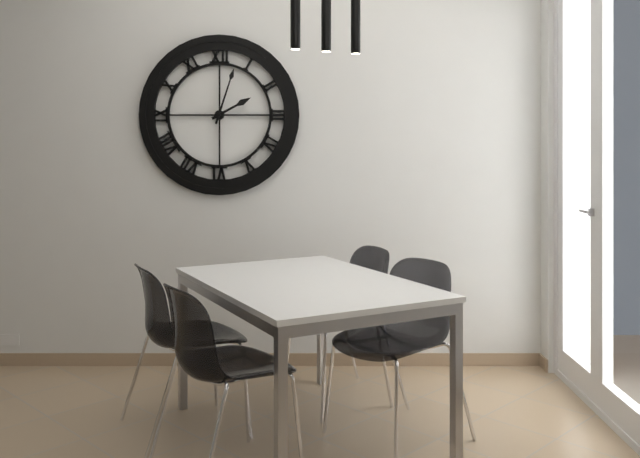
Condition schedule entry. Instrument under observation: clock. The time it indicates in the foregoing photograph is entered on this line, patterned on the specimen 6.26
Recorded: 2.03
